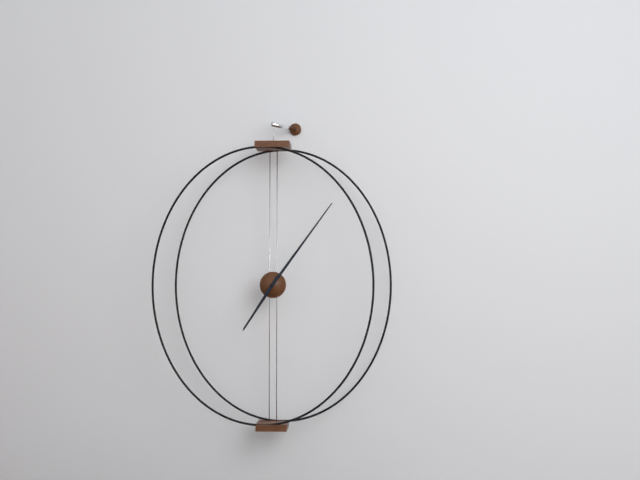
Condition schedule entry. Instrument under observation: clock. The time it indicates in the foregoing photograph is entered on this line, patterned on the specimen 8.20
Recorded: 7.06
